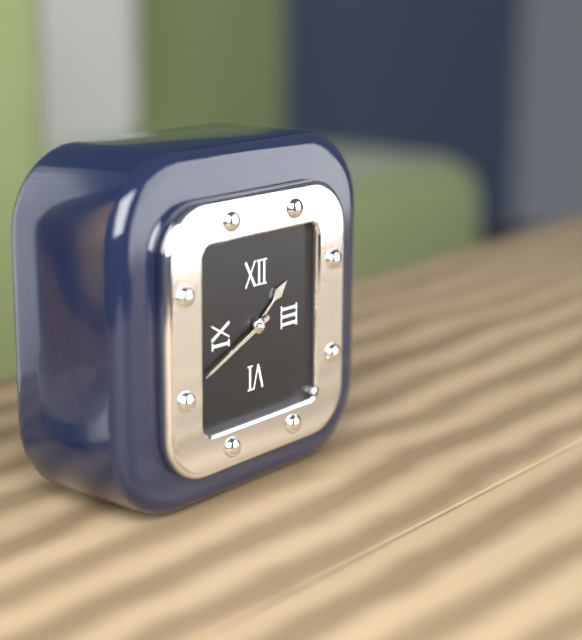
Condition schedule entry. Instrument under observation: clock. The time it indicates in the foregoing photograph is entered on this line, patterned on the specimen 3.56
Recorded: 1.41
